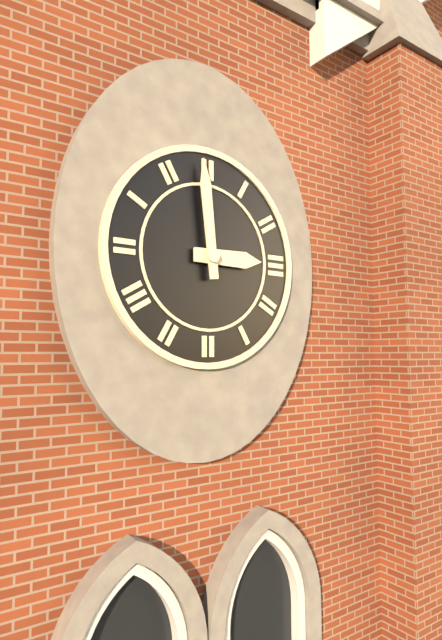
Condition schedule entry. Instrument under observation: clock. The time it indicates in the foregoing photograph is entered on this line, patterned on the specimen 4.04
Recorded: 2.59
